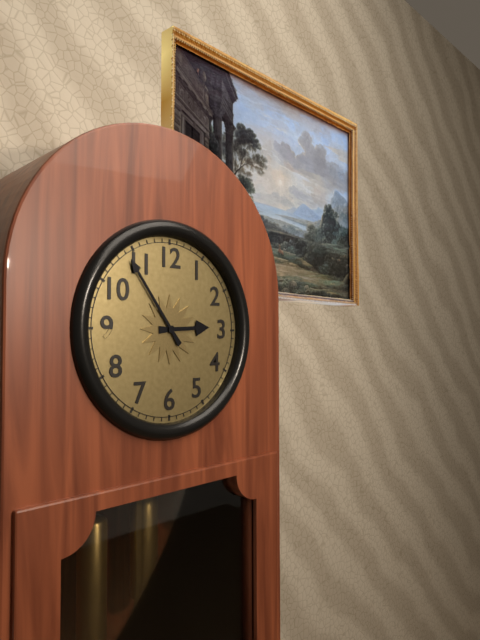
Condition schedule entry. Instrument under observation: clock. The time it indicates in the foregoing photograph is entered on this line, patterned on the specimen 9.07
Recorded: 2.54
